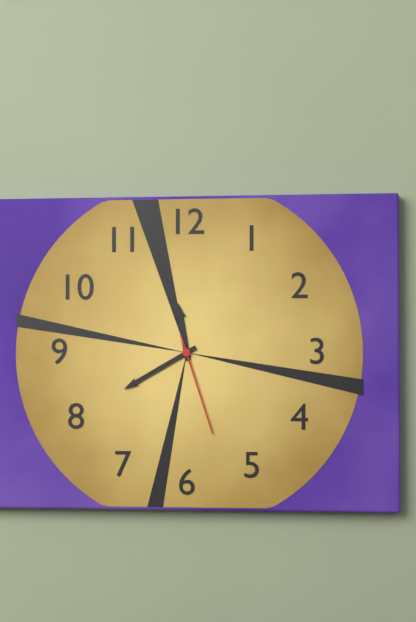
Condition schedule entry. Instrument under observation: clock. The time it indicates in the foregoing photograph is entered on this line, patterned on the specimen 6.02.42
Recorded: 11.40.27
